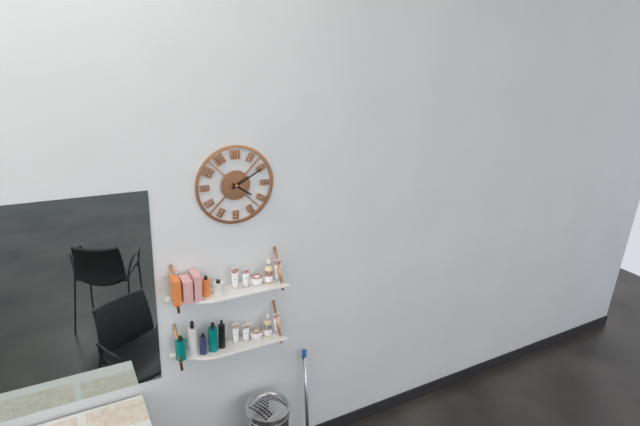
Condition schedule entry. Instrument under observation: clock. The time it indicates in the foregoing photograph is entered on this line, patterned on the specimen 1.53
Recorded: 4.10
